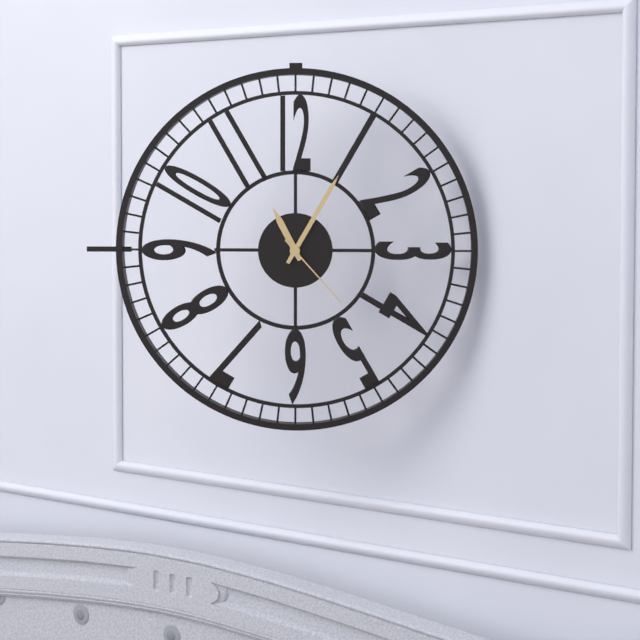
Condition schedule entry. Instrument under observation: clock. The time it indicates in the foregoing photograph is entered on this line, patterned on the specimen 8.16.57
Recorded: 11.05.23
